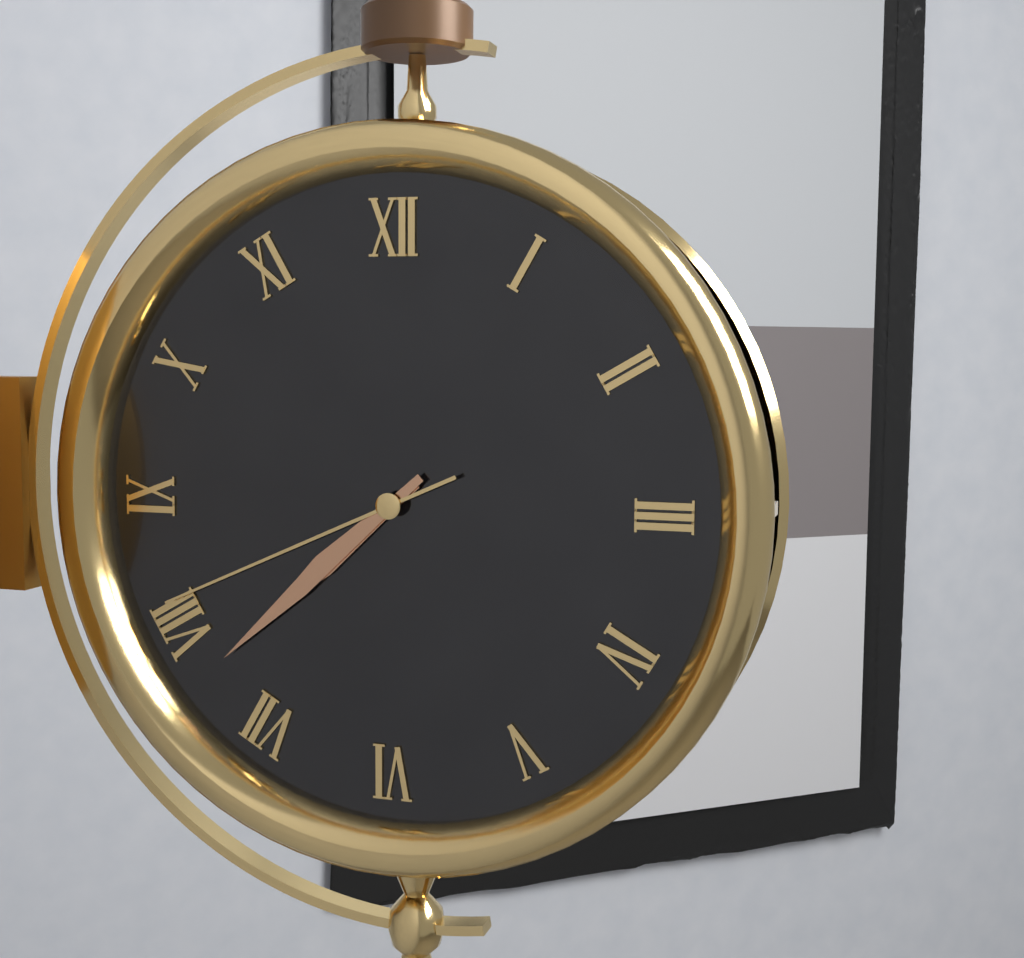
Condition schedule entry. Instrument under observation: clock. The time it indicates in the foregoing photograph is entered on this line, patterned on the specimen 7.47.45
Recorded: 7.38.41
